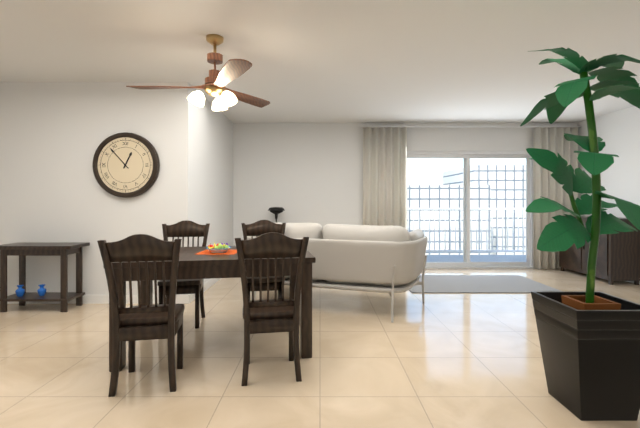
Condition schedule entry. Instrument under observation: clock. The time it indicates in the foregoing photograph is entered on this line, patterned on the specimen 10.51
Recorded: 12.53
